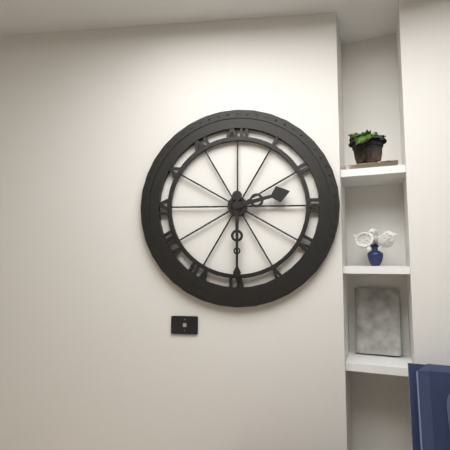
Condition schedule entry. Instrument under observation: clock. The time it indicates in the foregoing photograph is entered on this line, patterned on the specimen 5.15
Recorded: 2.30
